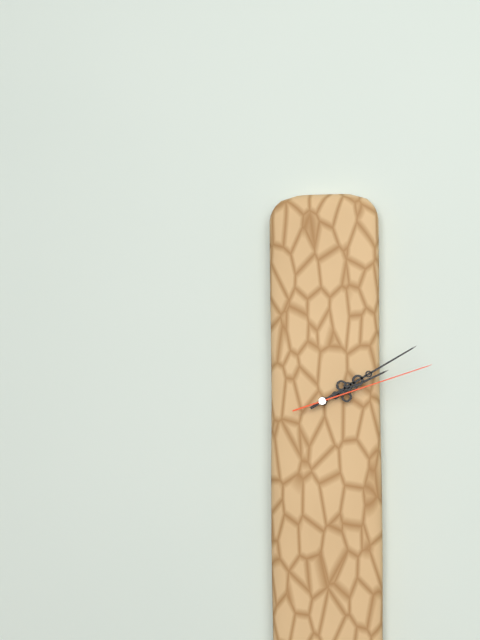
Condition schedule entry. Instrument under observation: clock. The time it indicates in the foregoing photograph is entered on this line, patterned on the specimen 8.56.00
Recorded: 2.10.12
